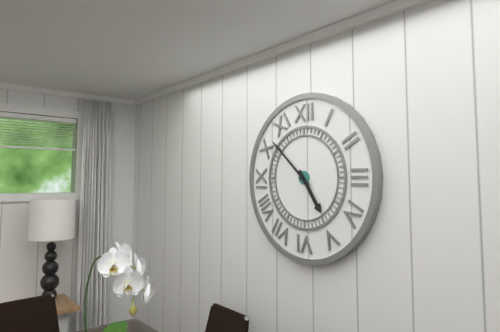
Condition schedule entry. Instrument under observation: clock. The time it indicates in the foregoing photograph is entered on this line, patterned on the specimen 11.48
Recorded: 4.52
